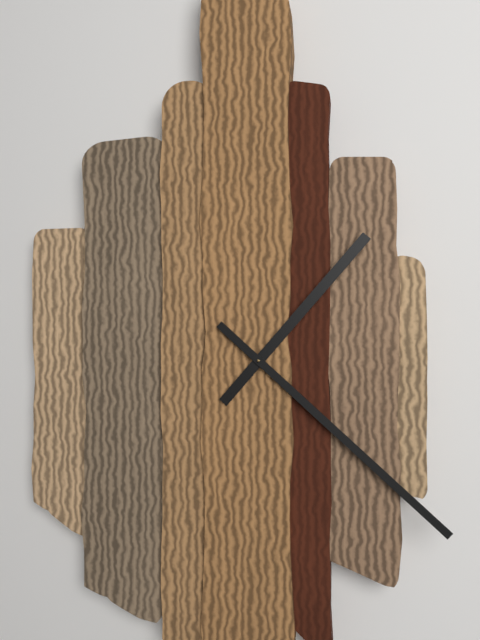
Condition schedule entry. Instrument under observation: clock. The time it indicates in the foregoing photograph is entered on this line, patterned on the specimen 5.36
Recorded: 1.22
